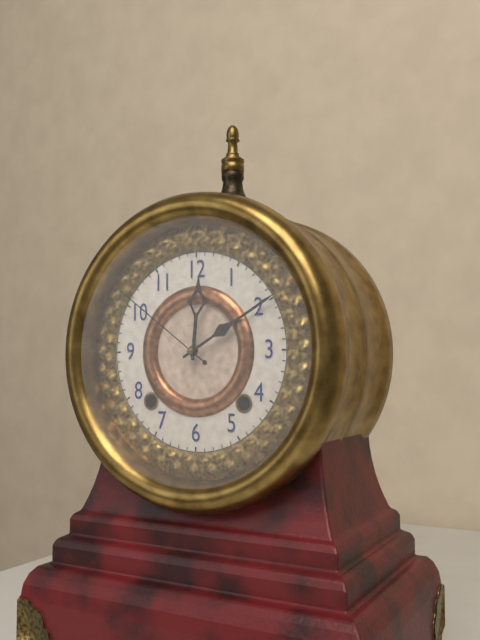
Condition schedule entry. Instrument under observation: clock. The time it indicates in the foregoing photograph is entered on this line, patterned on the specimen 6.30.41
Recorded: 12.10.51
